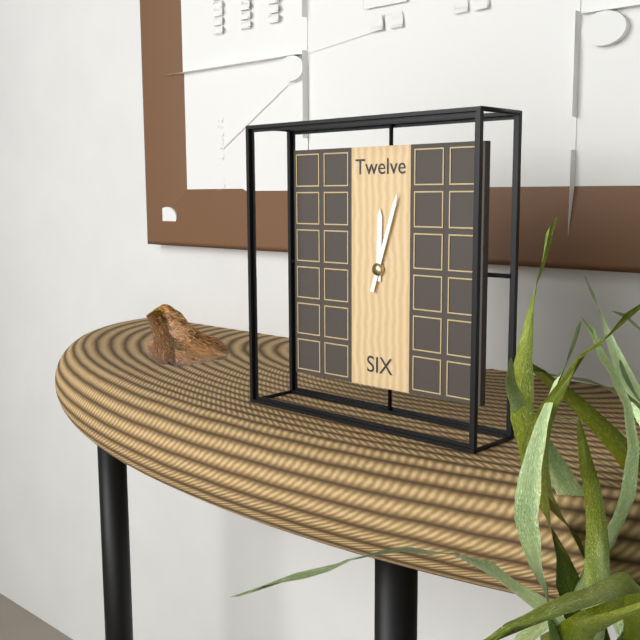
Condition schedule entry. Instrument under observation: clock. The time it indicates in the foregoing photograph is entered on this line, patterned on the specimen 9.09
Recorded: 12.03
